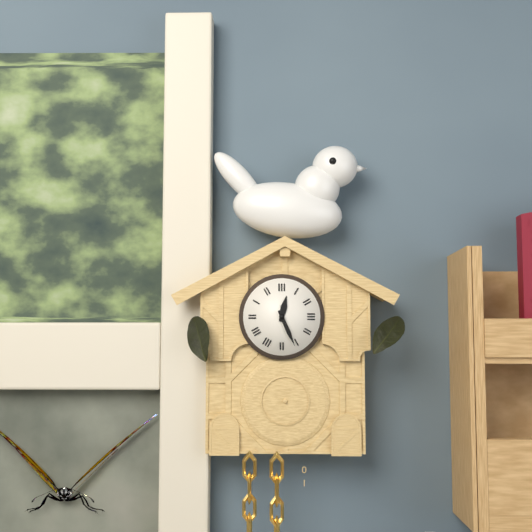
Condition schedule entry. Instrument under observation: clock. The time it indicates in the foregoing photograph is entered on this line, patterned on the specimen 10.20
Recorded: 12.26
